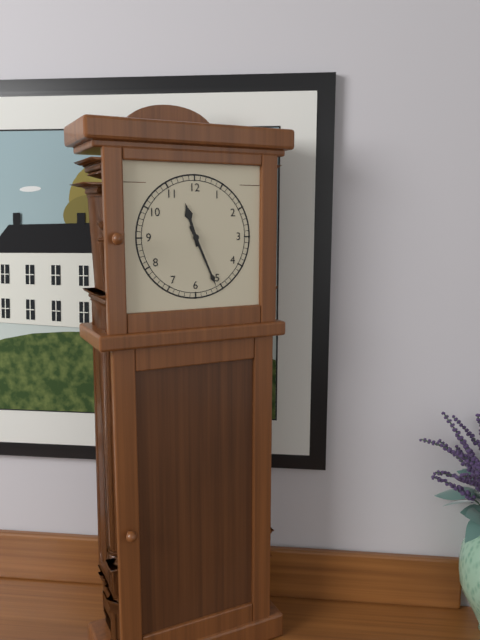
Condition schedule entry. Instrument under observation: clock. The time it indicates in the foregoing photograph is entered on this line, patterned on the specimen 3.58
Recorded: 11.26
